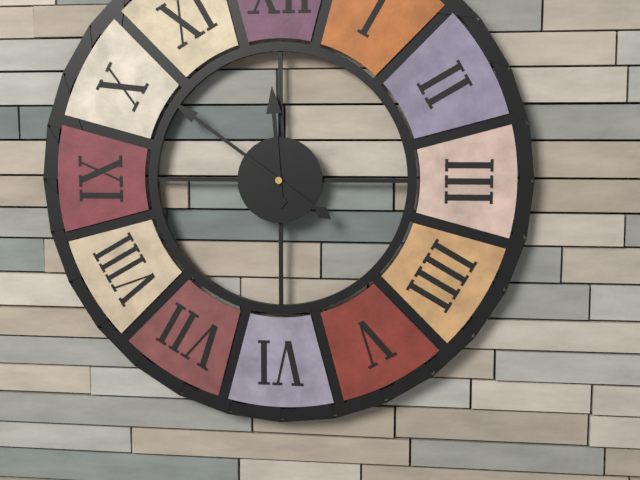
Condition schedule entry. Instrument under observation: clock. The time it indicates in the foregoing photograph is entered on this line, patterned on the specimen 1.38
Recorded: 11.51
